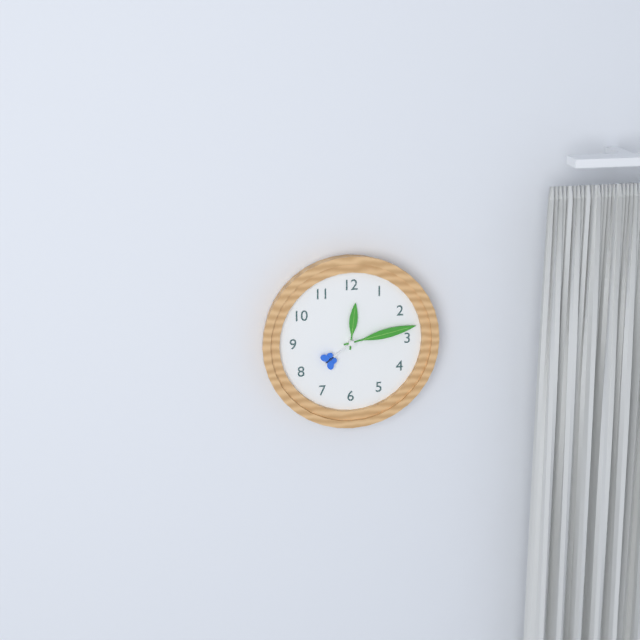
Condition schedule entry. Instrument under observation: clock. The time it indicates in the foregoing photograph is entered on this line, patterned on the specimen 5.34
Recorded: 12.13
